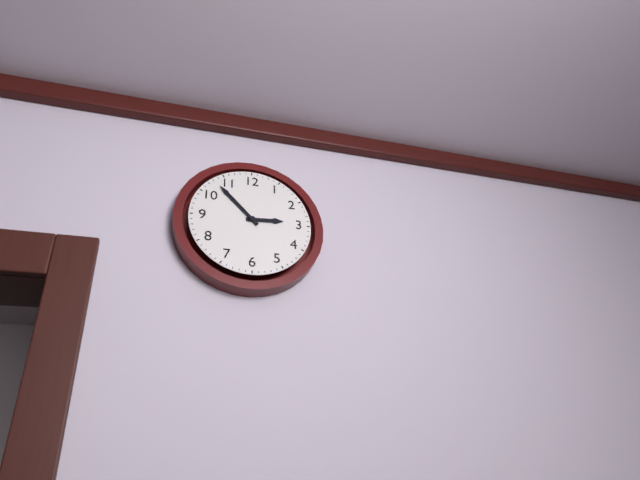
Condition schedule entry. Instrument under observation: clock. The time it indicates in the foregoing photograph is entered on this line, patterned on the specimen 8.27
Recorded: 2.53
